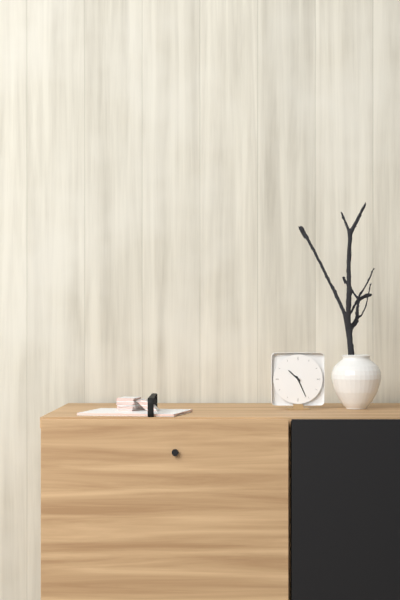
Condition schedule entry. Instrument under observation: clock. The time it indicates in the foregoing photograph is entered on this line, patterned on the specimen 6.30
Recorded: 10.26
